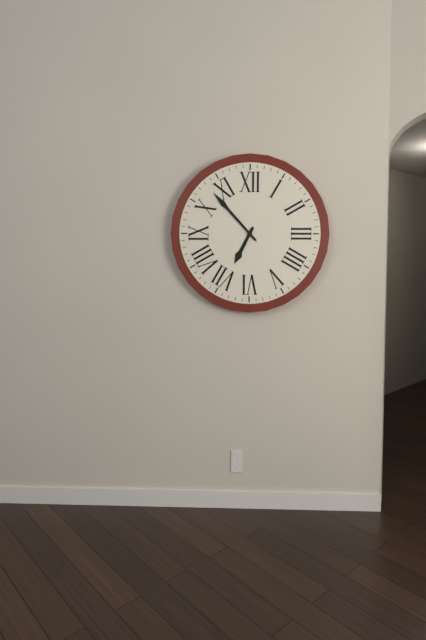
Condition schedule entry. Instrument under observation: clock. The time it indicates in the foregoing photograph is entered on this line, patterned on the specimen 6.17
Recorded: 6.53
